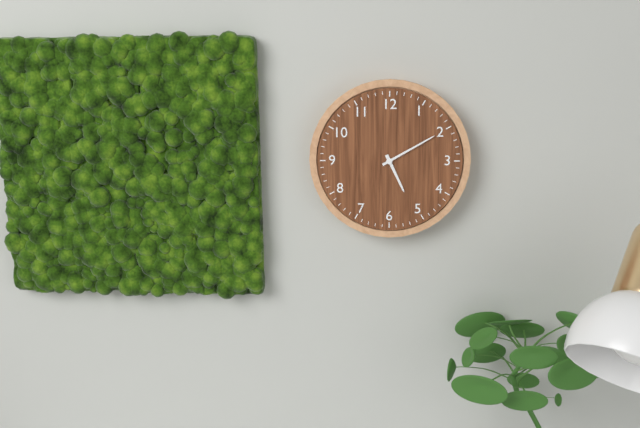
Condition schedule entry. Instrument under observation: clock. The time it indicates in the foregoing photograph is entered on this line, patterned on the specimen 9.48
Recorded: 5.10
